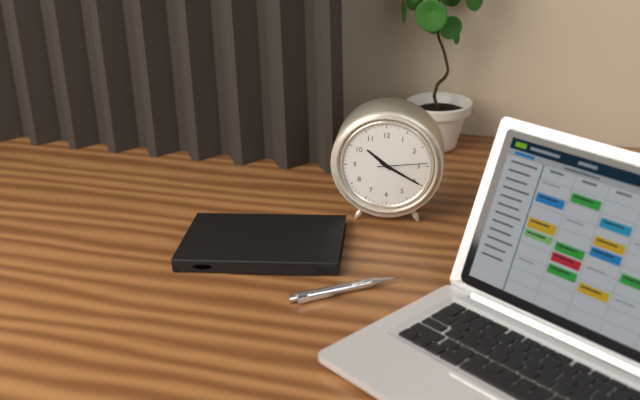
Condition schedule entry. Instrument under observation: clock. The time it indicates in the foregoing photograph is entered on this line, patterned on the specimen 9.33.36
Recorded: 10.20.14
